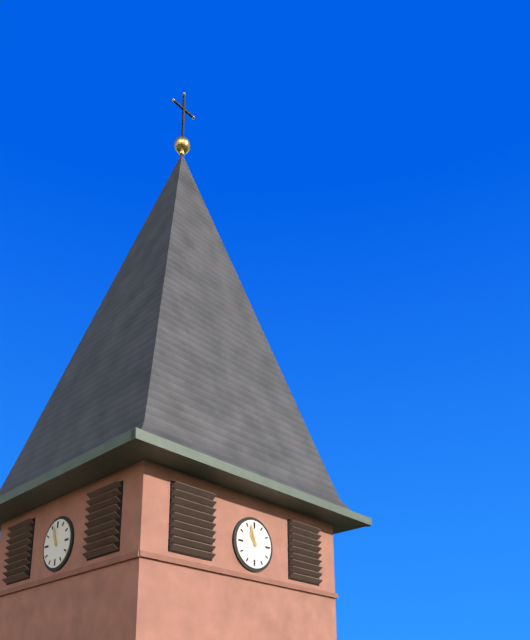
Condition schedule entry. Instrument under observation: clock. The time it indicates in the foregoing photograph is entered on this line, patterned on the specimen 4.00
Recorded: 10.57
